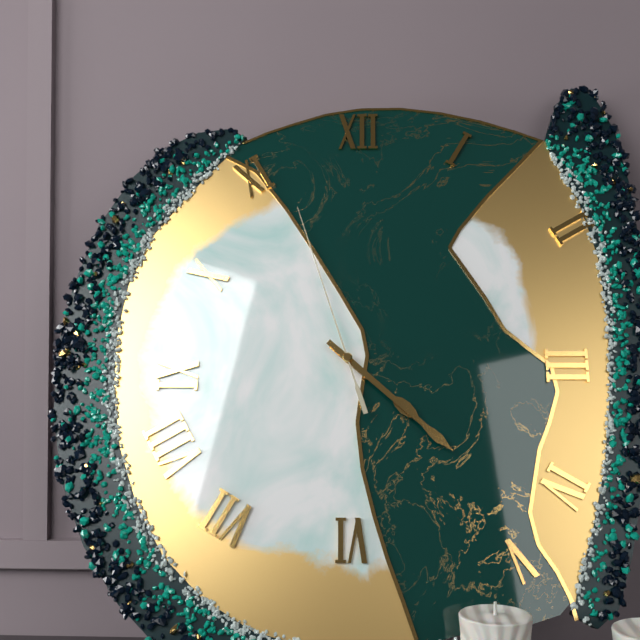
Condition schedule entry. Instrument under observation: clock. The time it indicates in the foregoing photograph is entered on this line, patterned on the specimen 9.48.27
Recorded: 4.22.57
